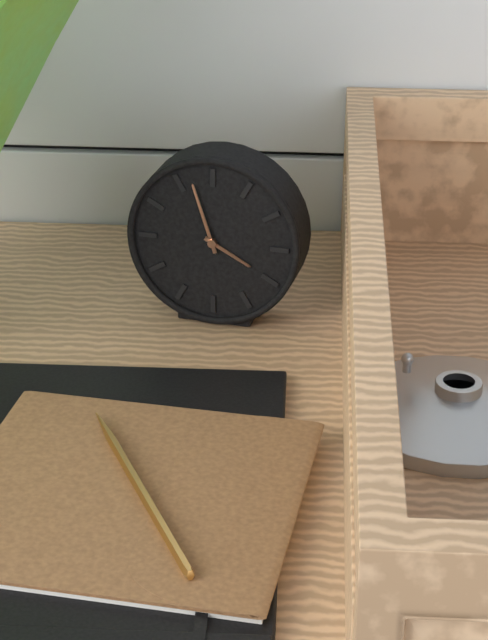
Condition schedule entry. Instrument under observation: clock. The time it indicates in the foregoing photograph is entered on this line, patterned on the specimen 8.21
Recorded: 3.57
